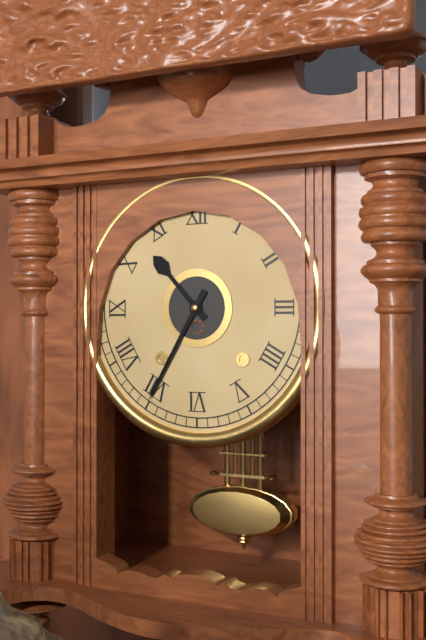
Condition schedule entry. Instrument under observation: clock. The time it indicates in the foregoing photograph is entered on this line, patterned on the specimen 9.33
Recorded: 10.35
